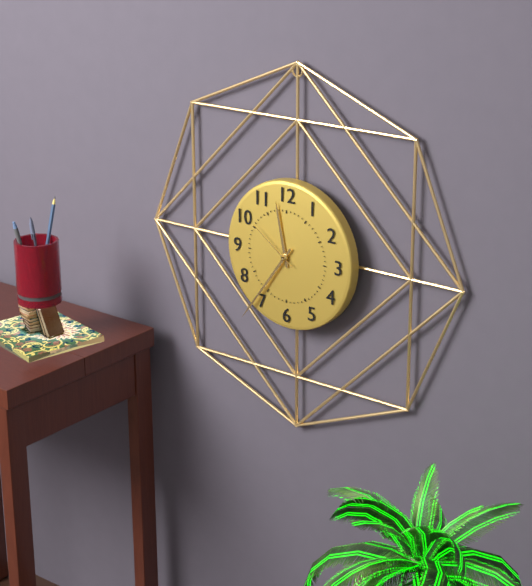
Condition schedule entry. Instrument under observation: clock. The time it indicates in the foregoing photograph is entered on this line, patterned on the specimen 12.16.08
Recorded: 11.36.51
